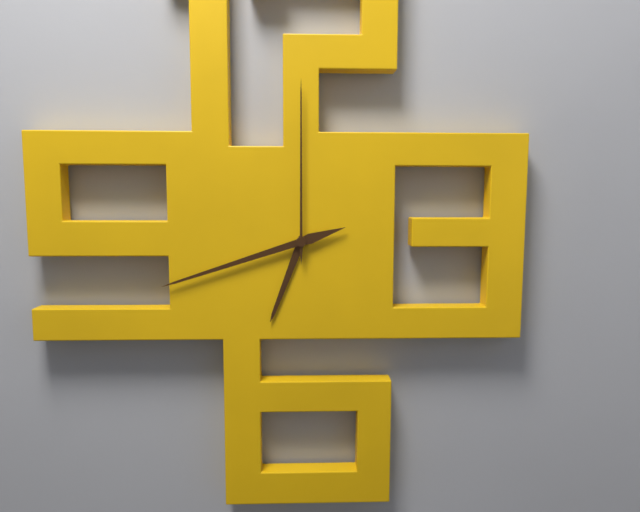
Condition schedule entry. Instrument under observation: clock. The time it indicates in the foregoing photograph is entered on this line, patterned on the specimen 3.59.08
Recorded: 6.42.00
